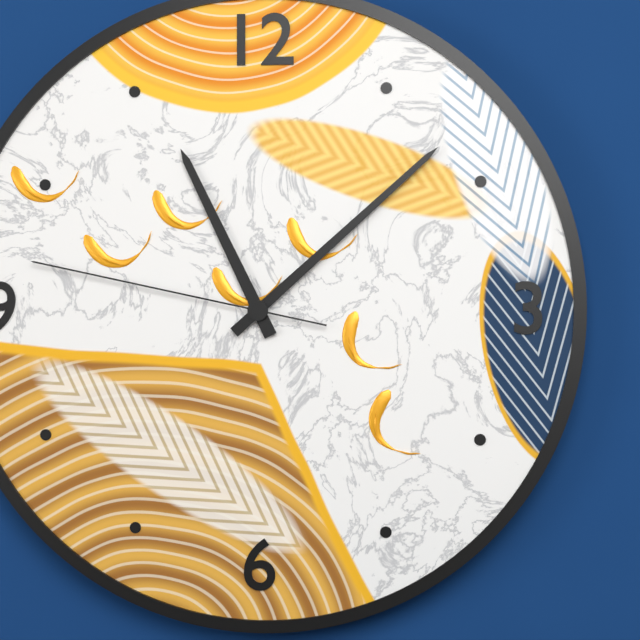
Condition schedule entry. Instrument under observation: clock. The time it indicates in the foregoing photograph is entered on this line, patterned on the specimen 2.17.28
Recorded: 11.08.47
